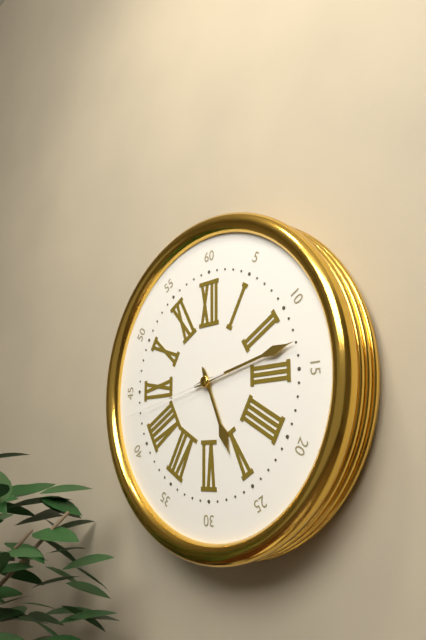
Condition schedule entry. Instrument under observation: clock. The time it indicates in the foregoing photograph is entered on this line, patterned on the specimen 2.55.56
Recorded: 5.13.43
